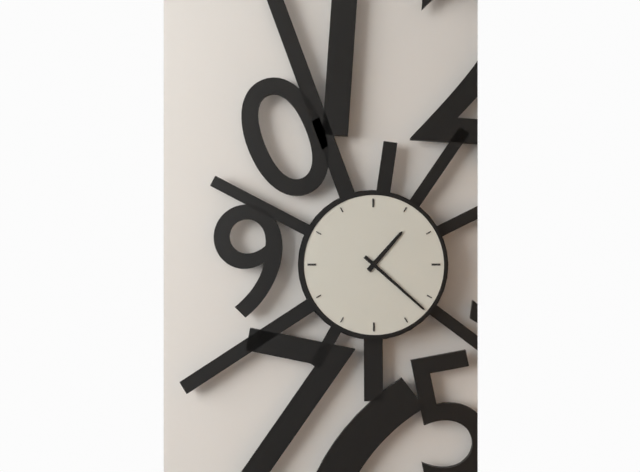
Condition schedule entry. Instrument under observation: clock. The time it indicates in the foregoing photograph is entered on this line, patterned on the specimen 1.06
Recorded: 1.22
